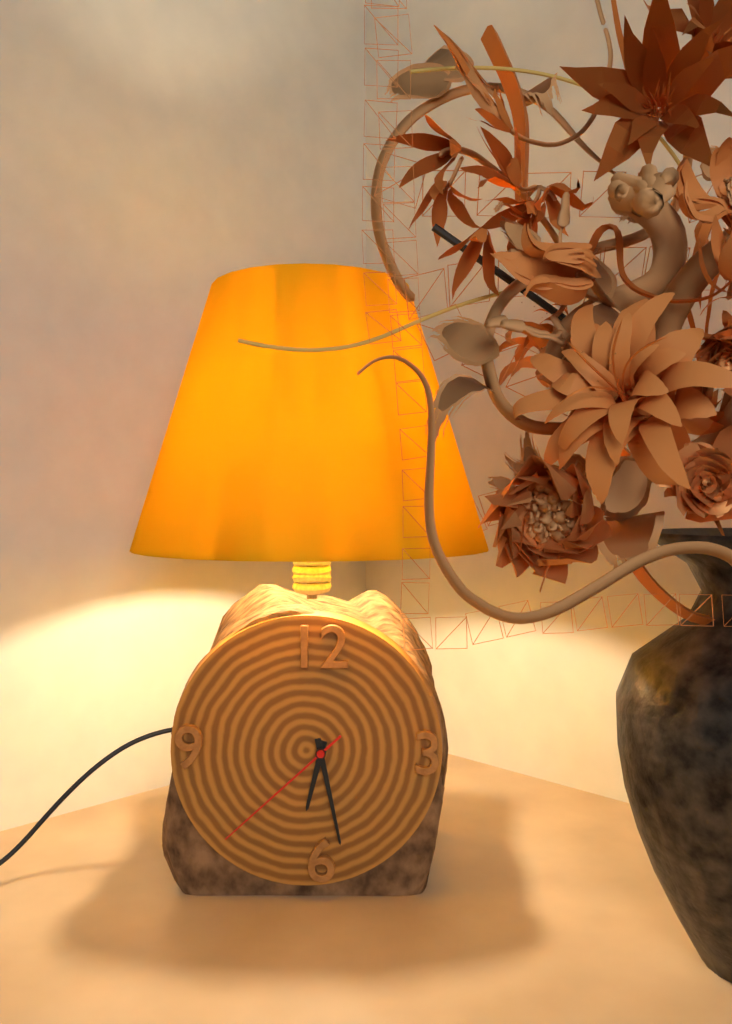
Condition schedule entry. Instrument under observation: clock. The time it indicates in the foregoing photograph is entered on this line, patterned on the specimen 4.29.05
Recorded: 6.28.38
